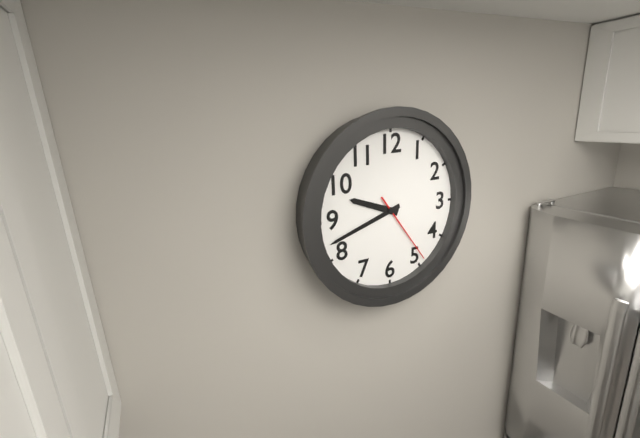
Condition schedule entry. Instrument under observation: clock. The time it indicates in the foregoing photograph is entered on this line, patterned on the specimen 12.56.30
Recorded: 9.42.24
